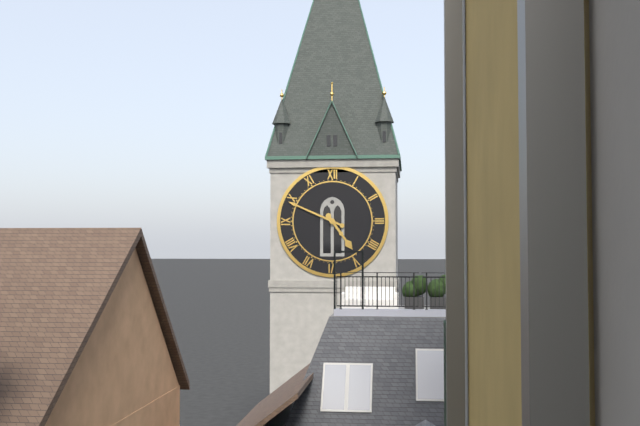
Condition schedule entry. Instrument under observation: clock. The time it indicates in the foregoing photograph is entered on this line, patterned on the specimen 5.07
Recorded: 4.49
